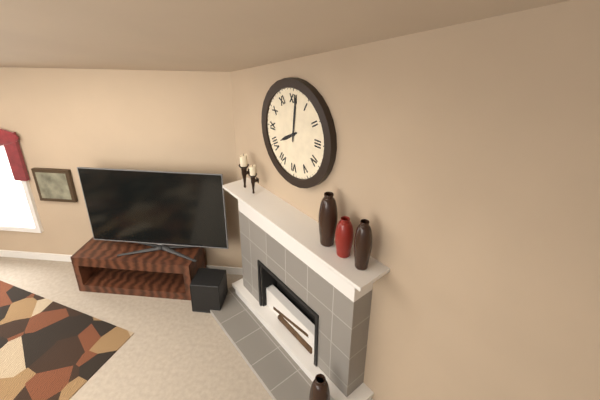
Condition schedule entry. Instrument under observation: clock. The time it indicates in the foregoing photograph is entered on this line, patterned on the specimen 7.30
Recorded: 8.01
